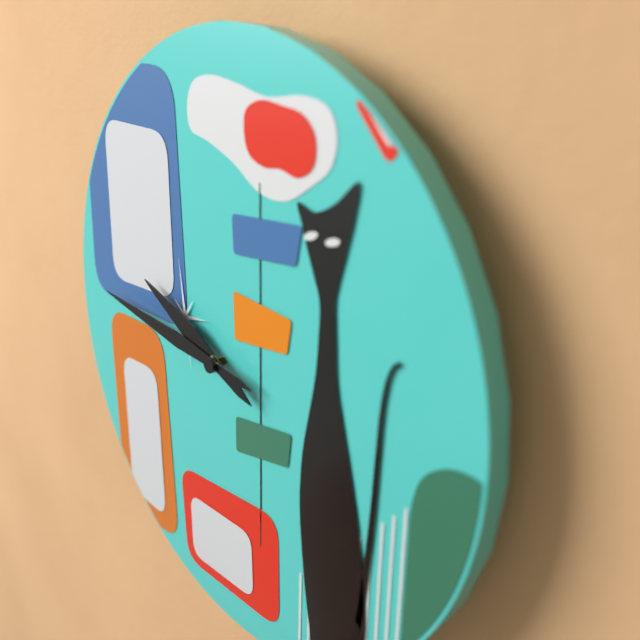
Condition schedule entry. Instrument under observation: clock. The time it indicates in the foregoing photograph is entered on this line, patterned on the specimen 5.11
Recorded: 9.46
